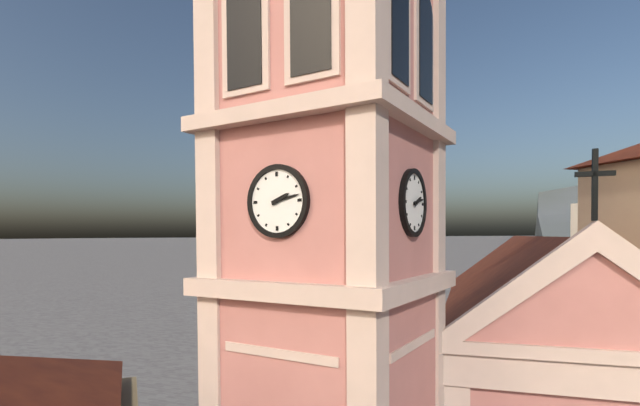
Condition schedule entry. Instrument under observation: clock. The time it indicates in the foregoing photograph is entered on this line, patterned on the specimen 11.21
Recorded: 2.13
